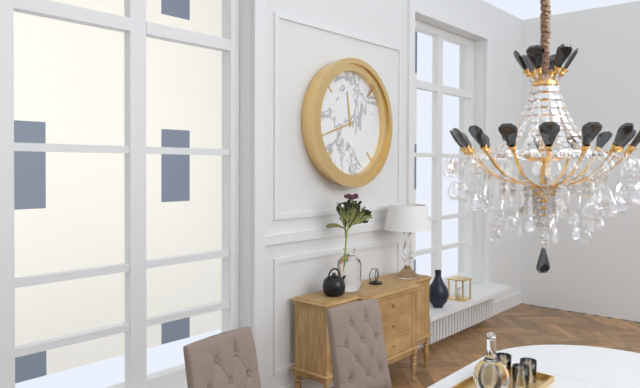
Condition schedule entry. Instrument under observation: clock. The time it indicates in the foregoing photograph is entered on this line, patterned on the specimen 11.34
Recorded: 11.42
